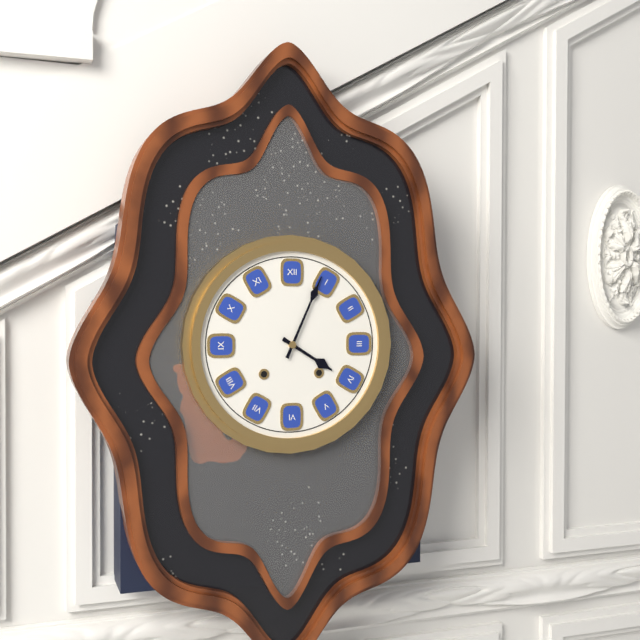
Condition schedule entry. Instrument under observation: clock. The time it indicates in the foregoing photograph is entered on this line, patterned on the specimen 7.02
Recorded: 4.04
